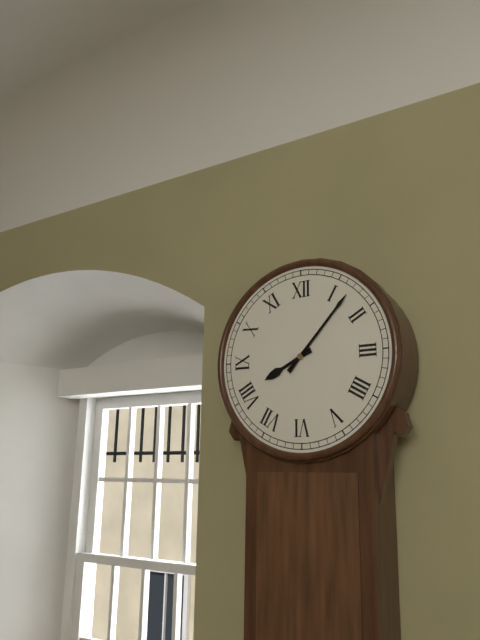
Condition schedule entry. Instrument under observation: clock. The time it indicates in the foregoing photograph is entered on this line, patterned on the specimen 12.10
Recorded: 8.07
